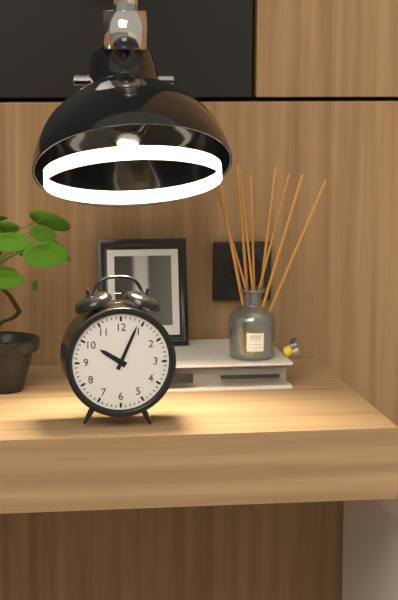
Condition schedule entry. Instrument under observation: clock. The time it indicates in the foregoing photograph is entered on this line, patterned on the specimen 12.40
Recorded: 10.04
